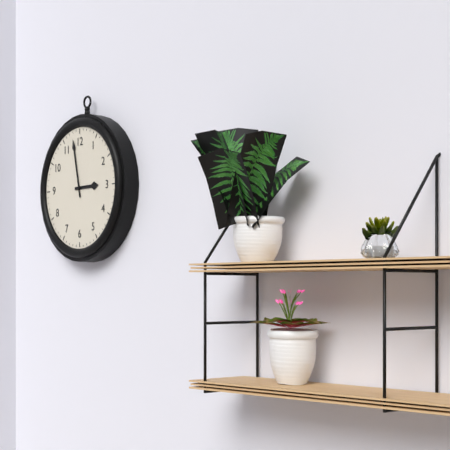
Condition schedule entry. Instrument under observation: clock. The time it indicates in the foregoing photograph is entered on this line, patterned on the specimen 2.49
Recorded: 2.58
